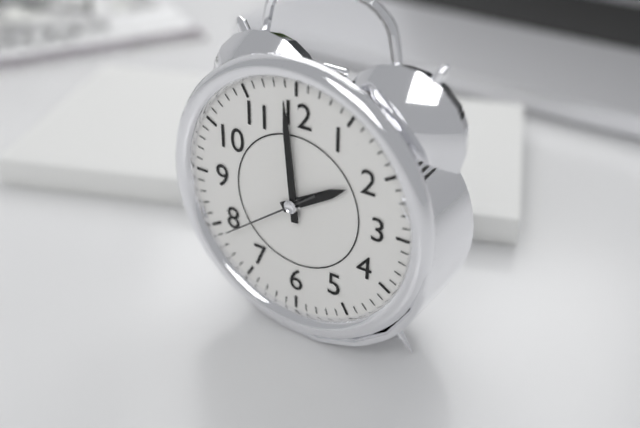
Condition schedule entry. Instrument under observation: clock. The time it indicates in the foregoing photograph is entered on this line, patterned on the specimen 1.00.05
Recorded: 1.59.39
